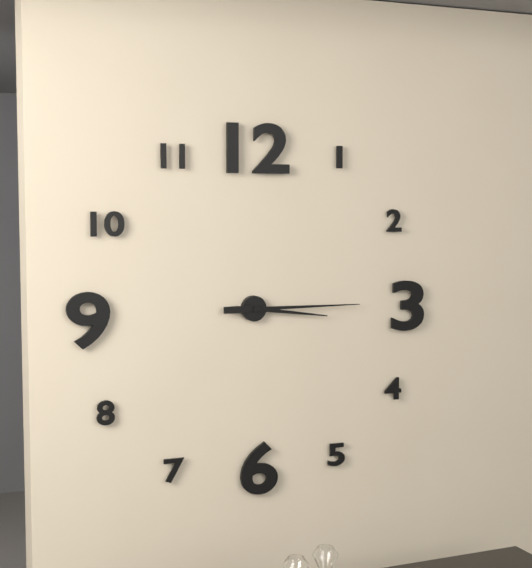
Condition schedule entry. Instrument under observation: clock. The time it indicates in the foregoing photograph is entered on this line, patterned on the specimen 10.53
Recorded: 3.15
